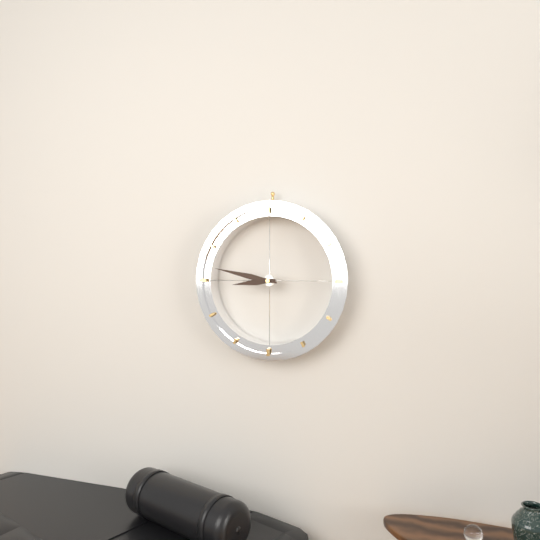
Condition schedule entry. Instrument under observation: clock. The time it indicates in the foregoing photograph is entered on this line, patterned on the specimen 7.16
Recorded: 8.47
